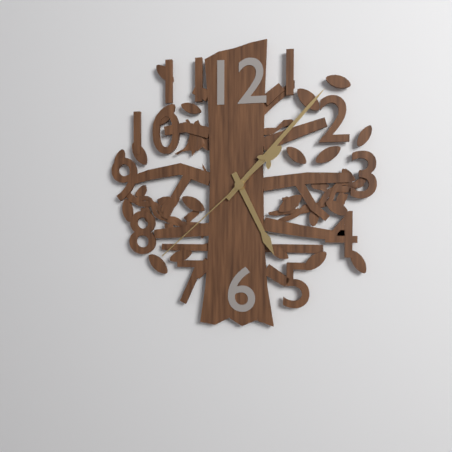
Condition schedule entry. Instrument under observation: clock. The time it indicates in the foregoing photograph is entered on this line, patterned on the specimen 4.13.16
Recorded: 5.07.38
